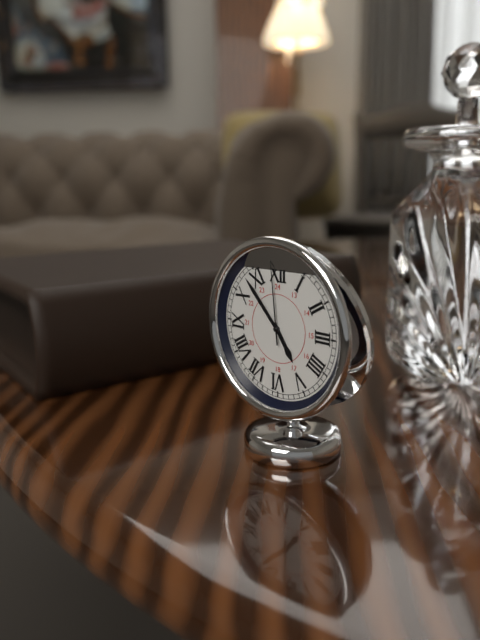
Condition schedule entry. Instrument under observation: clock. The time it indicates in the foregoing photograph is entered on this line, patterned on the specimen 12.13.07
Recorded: 4.53.59
